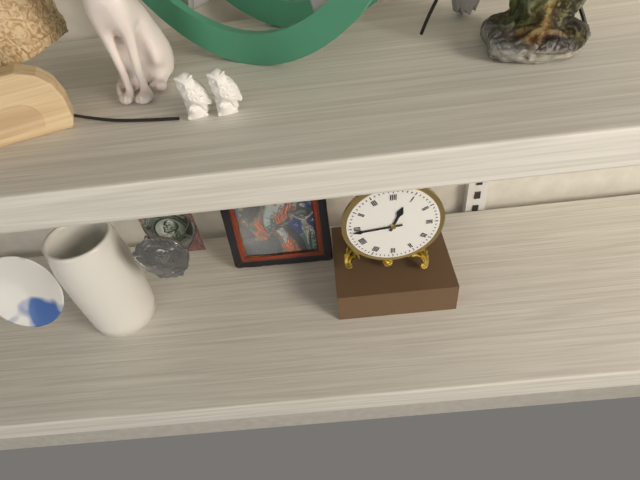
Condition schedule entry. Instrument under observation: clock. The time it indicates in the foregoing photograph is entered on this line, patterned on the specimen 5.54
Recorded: 12.44
